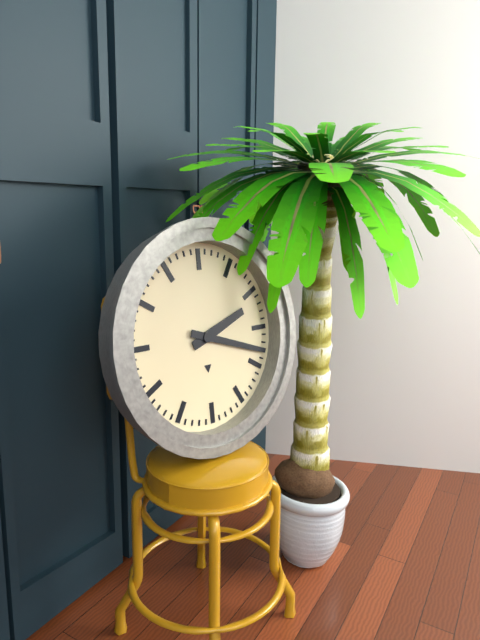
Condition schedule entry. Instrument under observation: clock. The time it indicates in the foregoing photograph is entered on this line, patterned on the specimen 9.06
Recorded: 2.18
